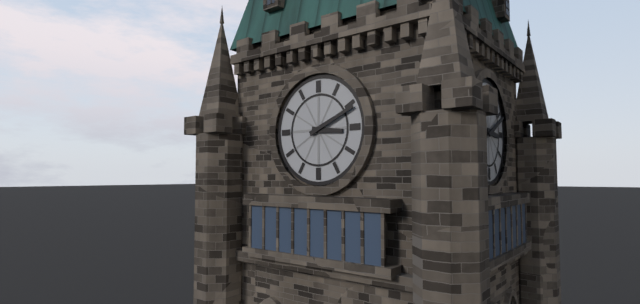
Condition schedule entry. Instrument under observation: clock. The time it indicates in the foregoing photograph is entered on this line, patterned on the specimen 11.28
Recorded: 3.11
